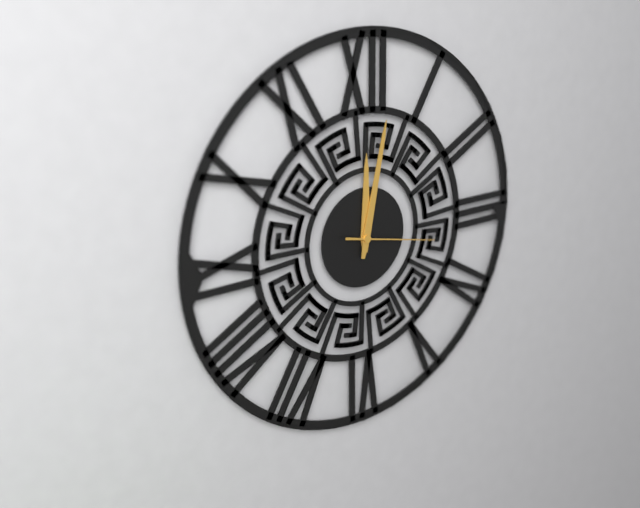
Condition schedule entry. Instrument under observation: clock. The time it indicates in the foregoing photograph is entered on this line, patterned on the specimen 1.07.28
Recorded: 12.02.17
